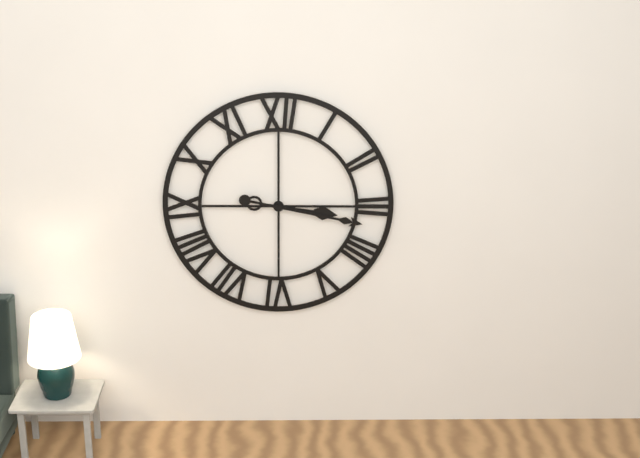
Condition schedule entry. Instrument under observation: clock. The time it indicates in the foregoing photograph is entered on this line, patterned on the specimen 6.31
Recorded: 3.17
